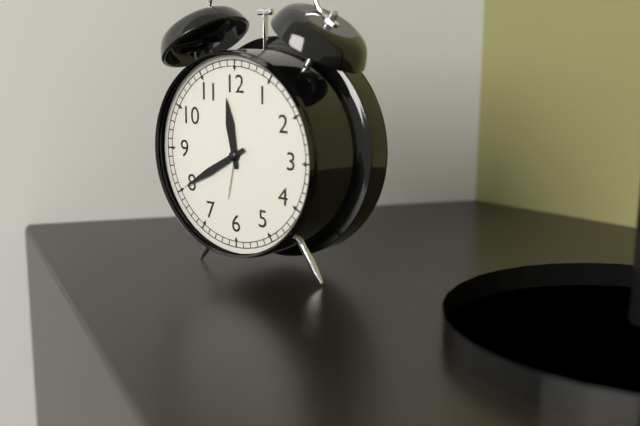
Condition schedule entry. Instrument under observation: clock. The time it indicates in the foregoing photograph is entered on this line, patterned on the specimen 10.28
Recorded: 11.40
